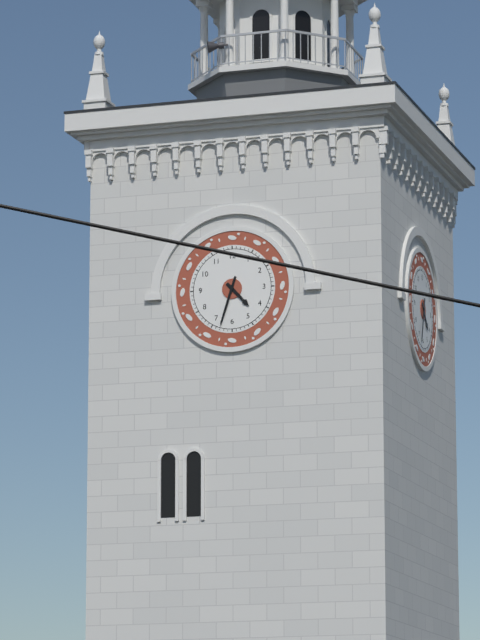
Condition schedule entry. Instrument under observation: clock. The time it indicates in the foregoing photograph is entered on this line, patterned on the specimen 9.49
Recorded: 4.33
